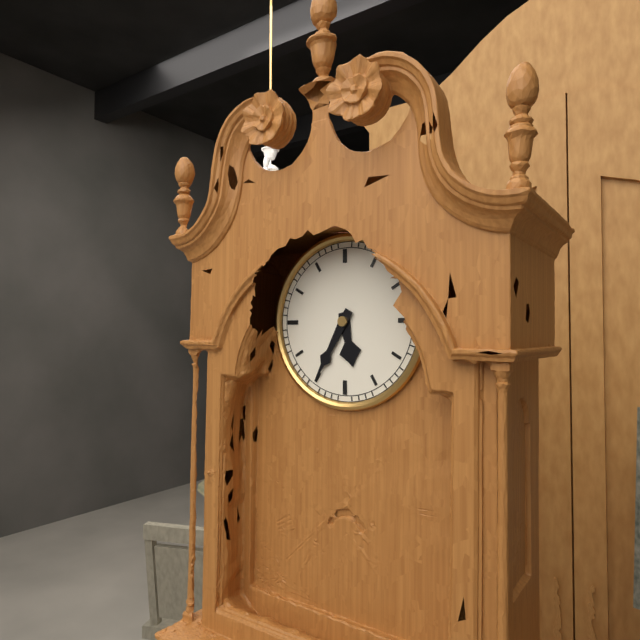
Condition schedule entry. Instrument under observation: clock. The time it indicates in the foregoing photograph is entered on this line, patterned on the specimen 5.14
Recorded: 5.35
